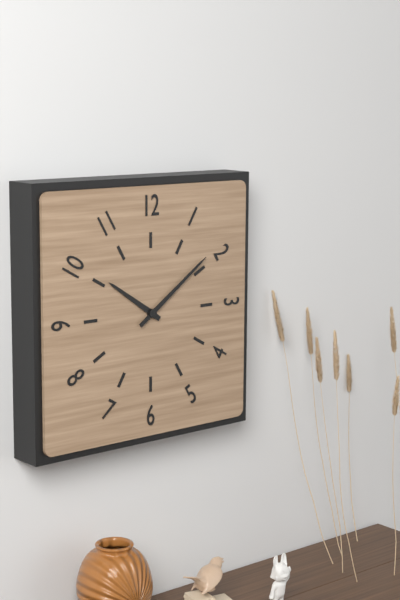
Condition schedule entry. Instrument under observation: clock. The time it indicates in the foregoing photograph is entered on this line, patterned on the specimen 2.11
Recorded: 10.09
